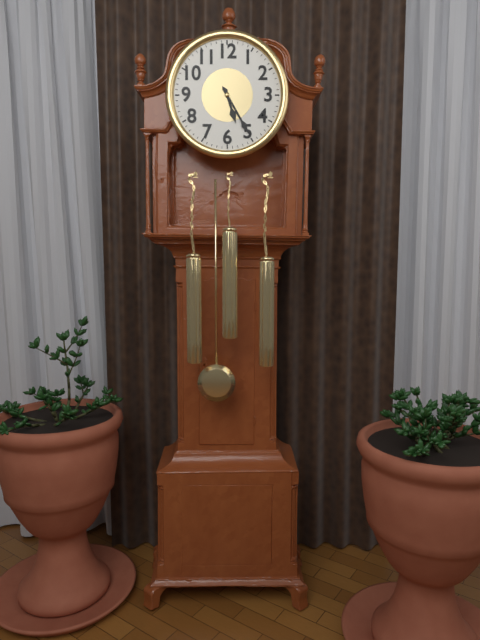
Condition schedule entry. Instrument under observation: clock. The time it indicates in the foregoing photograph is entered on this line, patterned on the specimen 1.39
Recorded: 5.25
